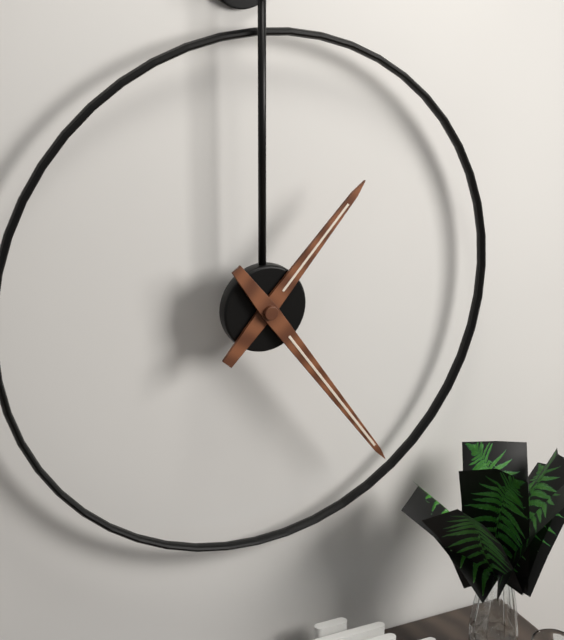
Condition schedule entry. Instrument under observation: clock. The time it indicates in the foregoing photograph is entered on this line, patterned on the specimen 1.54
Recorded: 1.24
